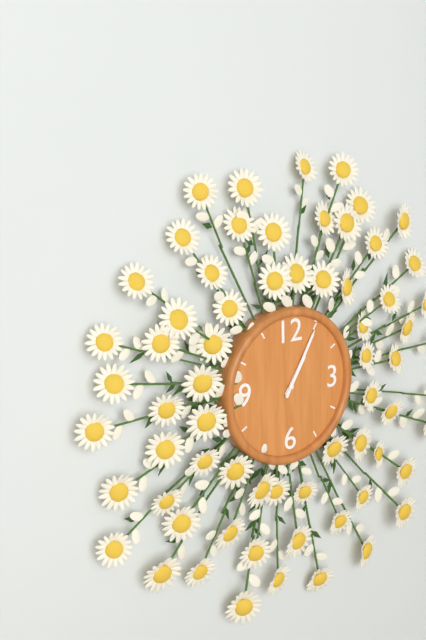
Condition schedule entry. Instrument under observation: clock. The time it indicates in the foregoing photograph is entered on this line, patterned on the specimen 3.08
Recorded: 1.05
